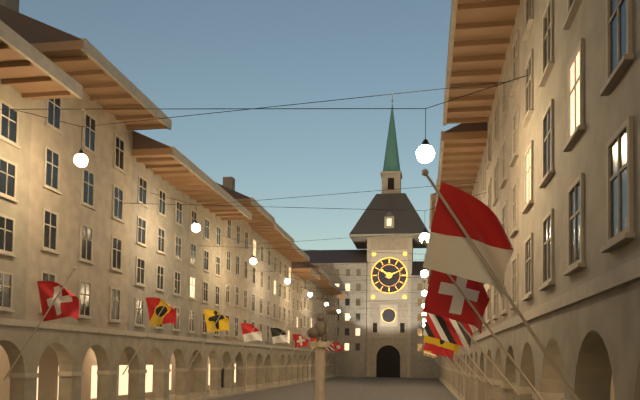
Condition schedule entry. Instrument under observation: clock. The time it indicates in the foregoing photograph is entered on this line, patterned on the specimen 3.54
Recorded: 10.11
